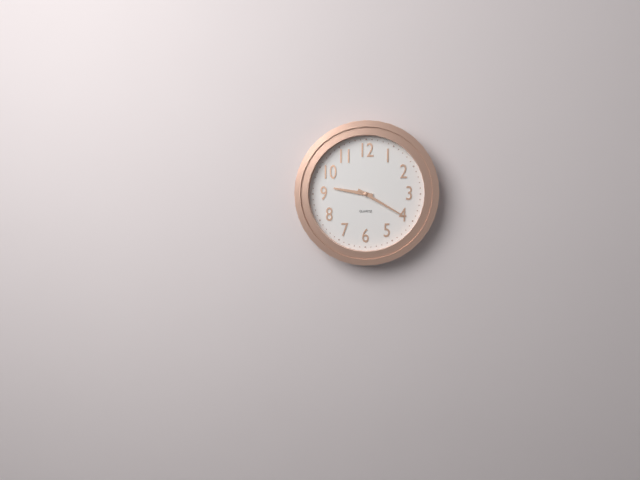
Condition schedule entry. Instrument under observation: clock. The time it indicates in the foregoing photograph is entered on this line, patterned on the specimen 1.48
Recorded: 9.20
